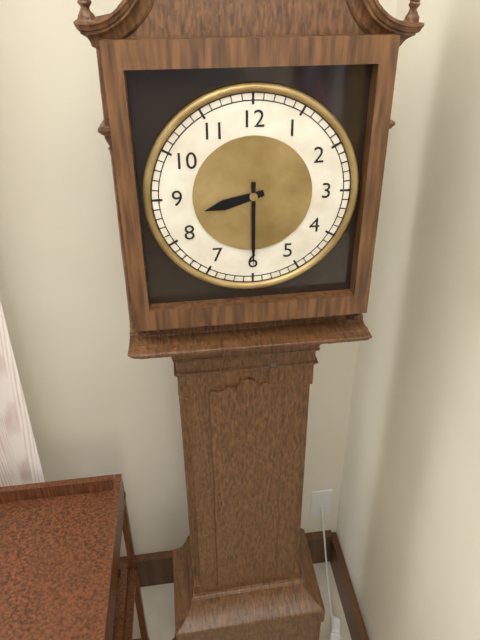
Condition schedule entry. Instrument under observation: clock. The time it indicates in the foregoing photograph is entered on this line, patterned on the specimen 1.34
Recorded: 8.30
